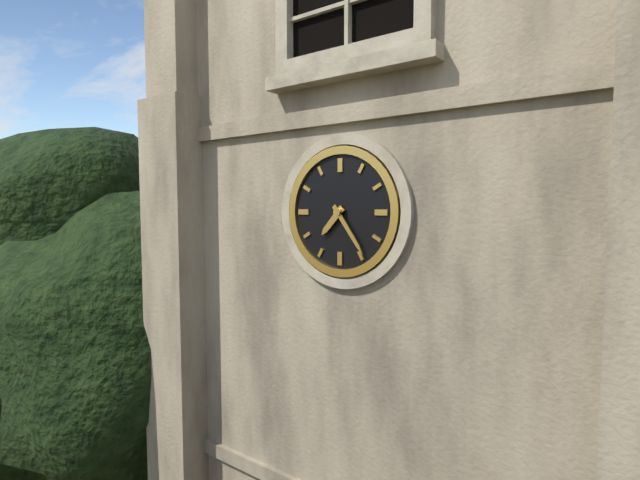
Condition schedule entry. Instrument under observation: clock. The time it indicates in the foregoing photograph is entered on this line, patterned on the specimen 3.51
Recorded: 7.24
